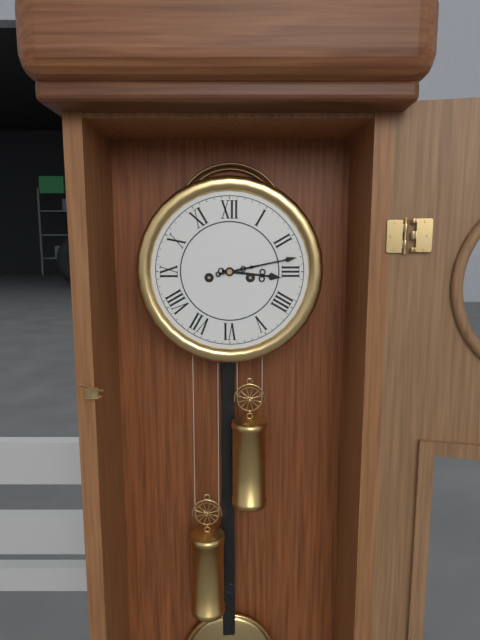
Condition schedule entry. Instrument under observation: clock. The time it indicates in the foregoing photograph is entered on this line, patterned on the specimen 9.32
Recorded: 3.13
